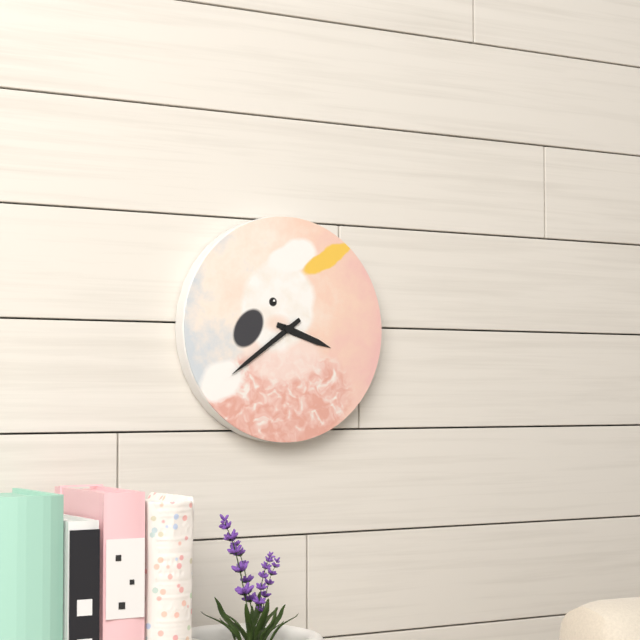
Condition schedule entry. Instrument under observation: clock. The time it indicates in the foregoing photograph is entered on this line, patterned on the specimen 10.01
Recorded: 3.39
